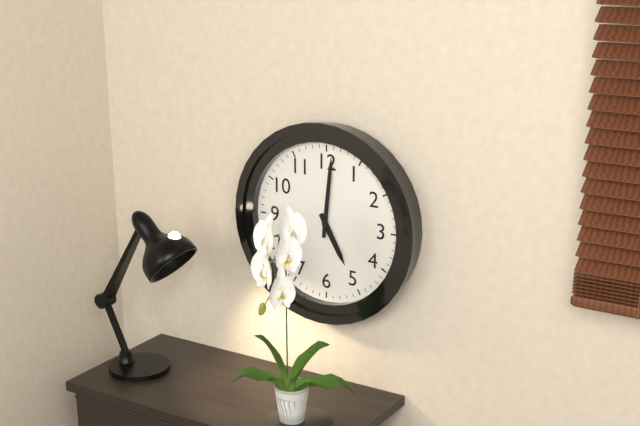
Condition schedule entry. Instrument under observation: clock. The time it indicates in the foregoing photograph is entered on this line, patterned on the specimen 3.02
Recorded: 5.01
